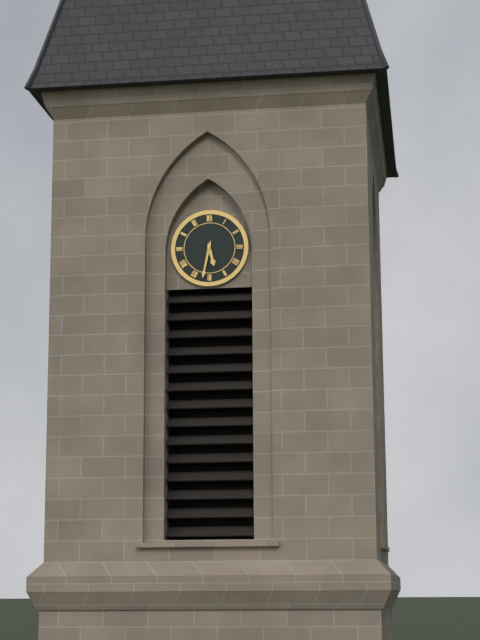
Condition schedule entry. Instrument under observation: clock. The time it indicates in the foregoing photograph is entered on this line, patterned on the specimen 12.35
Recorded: 5.32
